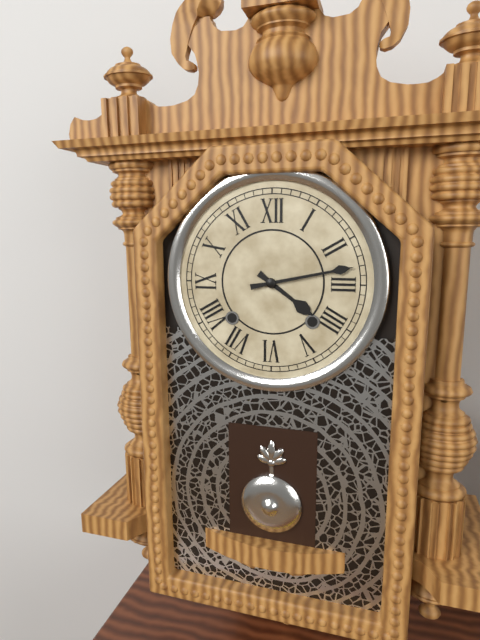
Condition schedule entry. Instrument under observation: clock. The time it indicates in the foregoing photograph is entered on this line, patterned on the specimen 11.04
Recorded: 4.13
